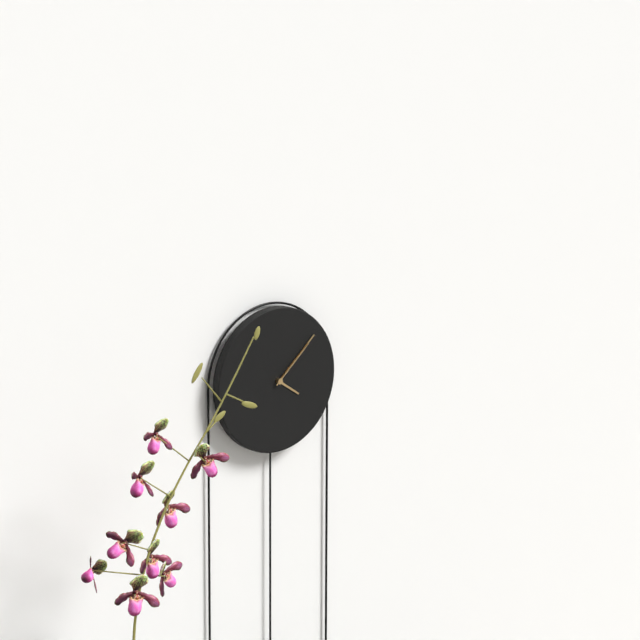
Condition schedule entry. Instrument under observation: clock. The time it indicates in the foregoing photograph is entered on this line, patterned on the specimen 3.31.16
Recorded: 4.08.08
